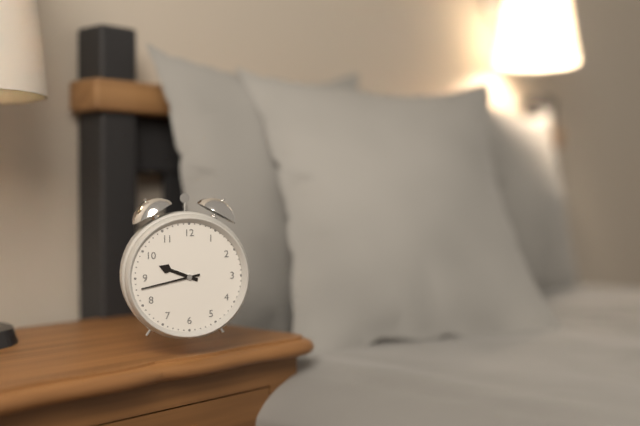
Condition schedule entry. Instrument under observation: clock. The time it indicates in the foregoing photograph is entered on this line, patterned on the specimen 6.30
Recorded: 9.43
